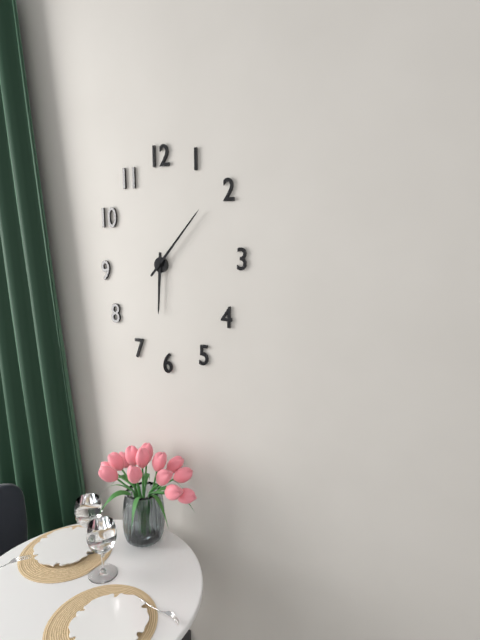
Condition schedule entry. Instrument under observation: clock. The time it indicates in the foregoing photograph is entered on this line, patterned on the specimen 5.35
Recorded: 6.07
